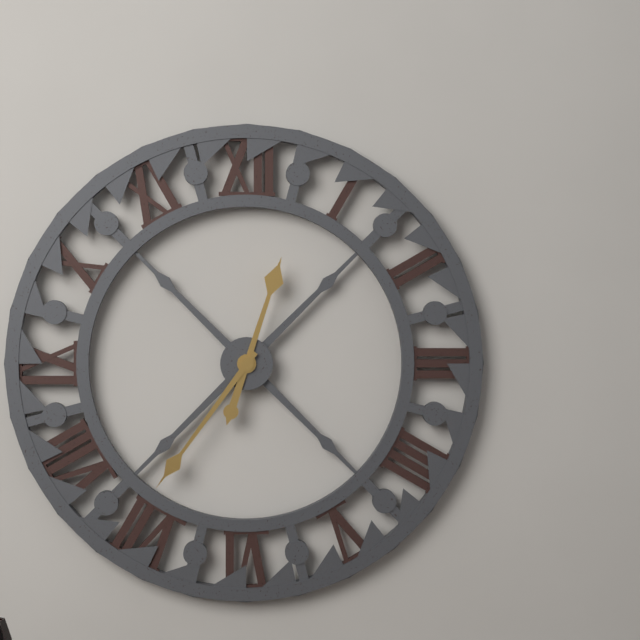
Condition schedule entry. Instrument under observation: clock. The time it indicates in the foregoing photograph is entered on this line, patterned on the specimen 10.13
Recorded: 12.36
